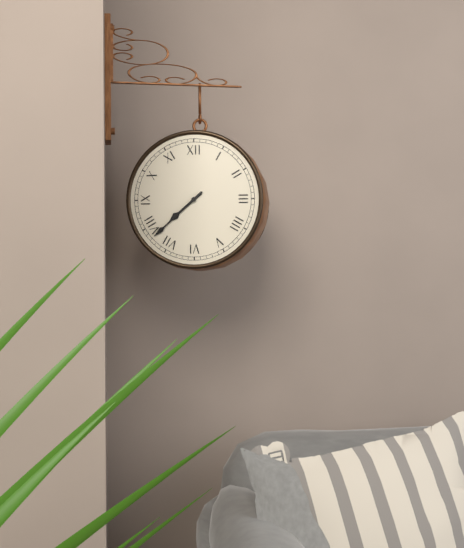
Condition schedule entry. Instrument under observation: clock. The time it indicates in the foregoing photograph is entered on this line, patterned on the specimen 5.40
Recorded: 7.38
